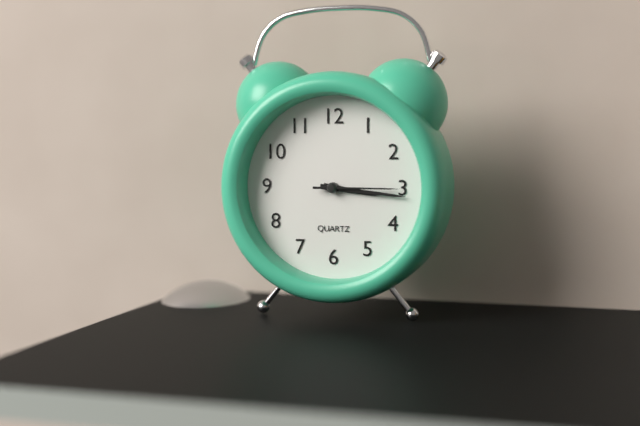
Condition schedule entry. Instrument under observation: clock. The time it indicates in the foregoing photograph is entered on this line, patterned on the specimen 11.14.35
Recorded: 3.16.15
